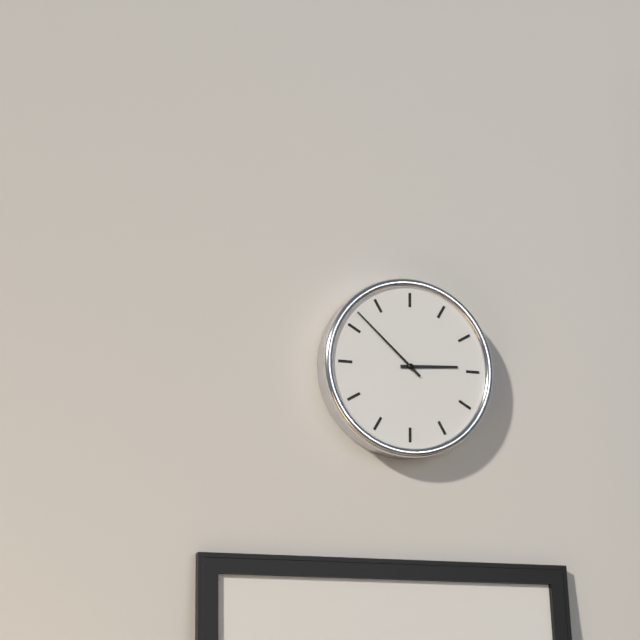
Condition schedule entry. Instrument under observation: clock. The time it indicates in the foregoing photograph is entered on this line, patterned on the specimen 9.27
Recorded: 2.52
